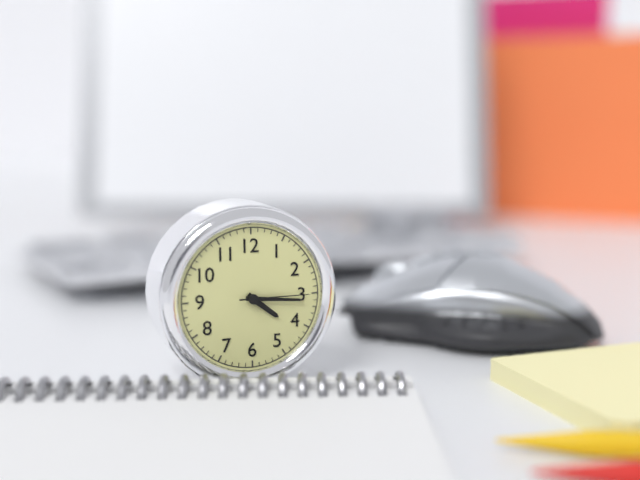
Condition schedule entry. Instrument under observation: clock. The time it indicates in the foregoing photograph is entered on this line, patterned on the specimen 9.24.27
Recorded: 4.16.15
